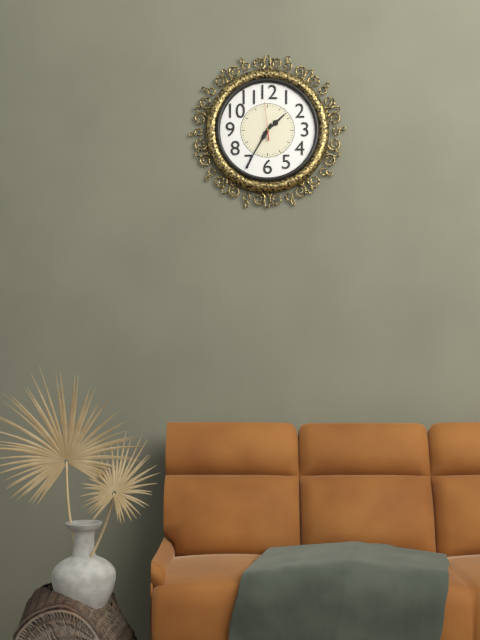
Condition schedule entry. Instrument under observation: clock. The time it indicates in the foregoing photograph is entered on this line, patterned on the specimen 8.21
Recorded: 1.35
